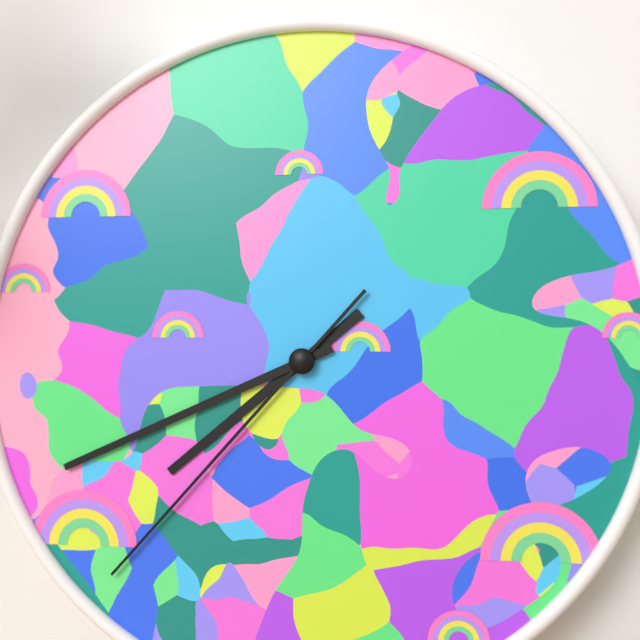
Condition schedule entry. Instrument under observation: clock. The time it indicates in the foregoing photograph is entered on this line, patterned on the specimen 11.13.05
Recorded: 7.41.37
